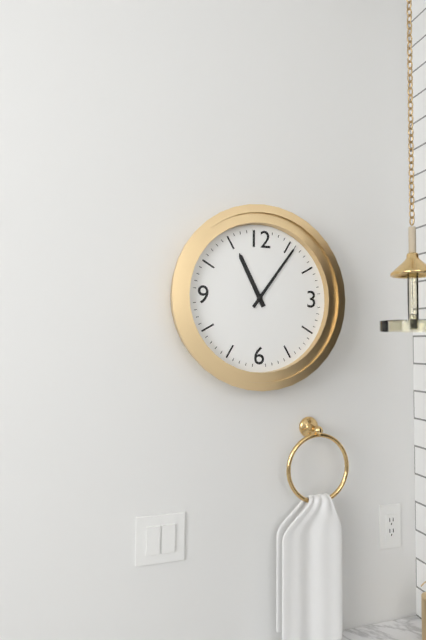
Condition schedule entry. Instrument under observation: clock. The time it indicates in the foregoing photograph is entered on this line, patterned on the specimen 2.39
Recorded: 11.06
